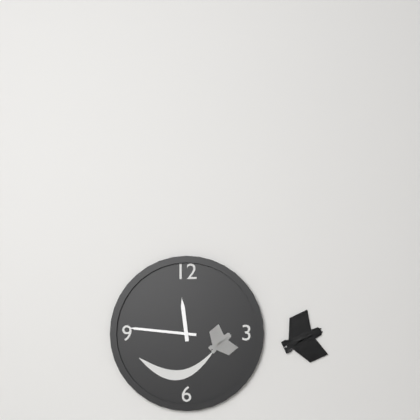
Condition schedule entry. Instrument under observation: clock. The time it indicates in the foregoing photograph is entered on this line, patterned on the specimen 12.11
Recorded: 11.46
